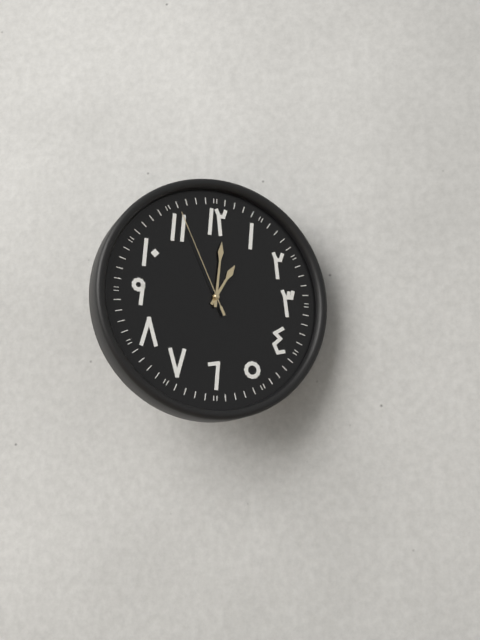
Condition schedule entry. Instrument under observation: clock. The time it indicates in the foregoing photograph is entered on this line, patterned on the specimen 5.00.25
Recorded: 1.01.56
